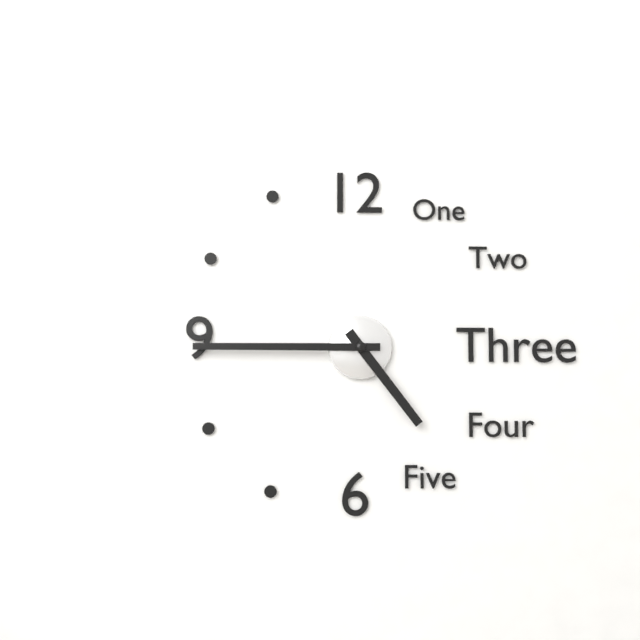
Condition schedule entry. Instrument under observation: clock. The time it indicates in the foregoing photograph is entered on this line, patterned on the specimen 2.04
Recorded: 4.45
